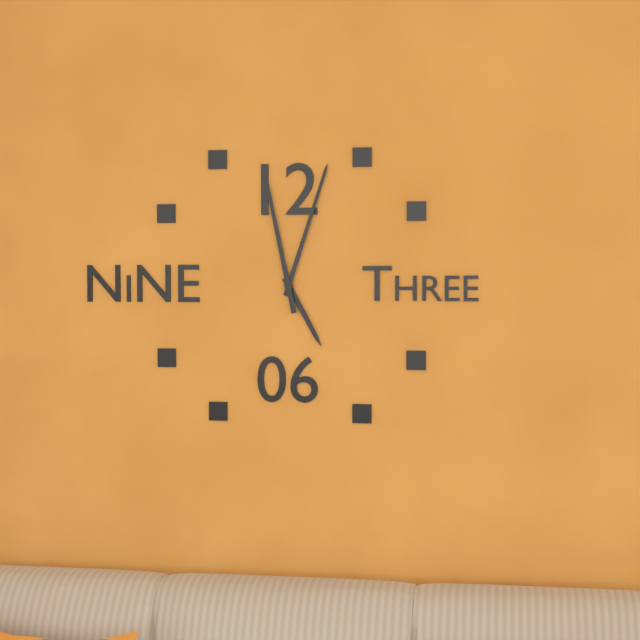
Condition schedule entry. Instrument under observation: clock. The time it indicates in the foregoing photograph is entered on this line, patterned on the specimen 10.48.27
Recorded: 5.03.58
